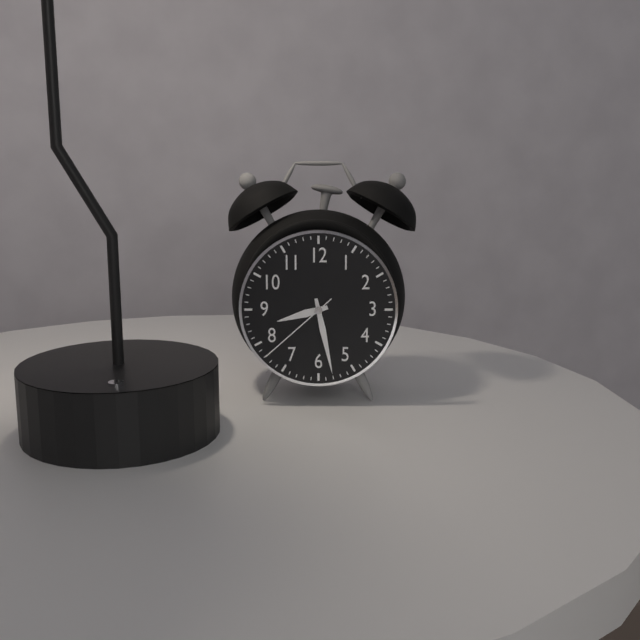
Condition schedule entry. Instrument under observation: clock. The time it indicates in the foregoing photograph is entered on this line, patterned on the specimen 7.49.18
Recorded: 8.28.38
